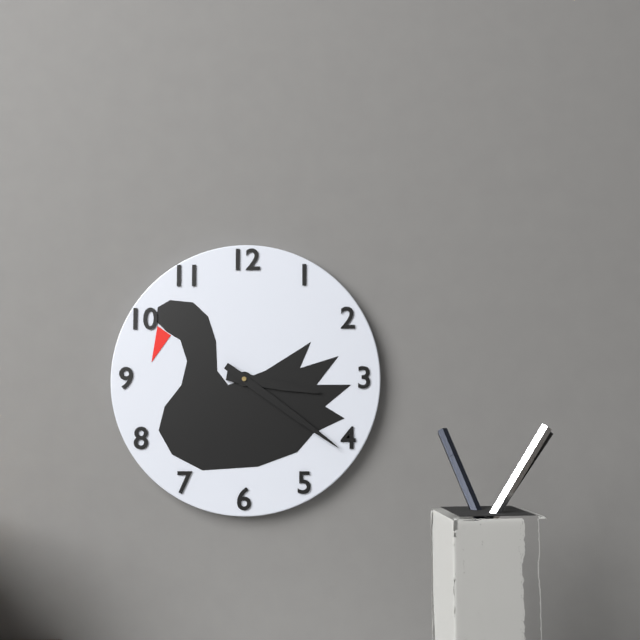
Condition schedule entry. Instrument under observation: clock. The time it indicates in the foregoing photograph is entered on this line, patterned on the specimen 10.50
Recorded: 3.21
